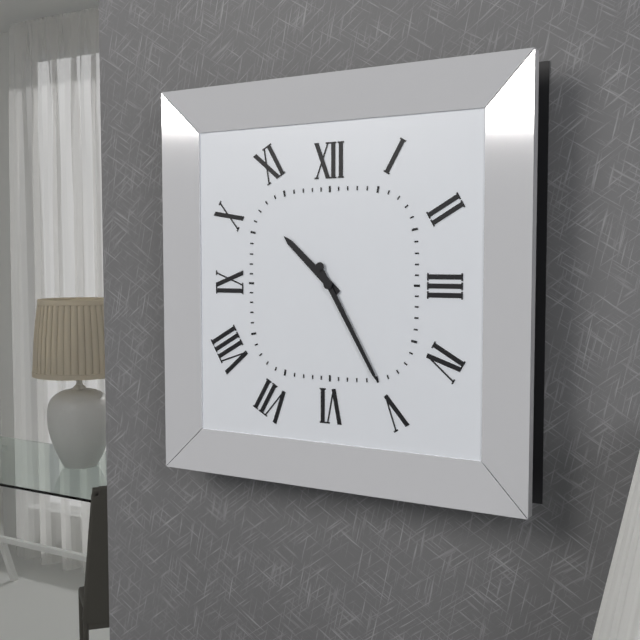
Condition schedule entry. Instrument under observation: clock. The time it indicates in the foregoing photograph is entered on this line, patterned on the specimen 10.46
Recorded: 10.25
